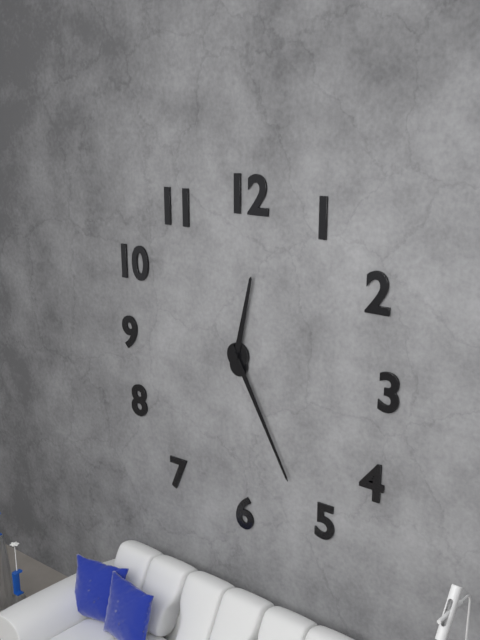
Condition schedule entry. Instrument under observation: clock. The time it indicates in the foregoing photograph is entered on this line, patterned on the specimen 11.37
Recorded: 12.25
